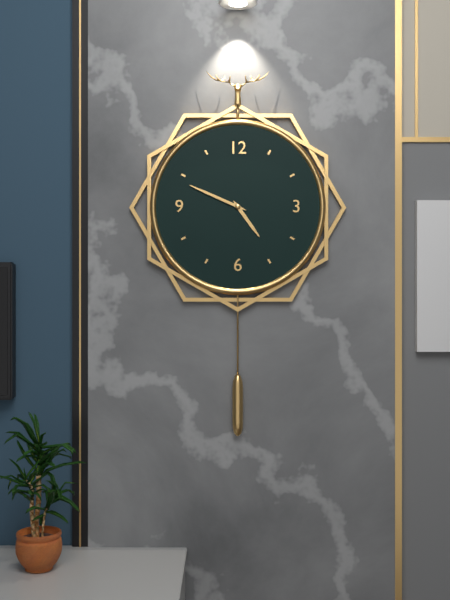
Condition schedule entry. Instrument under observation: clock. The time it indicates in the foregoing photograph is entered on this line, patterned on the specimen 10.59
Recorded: 4.49
